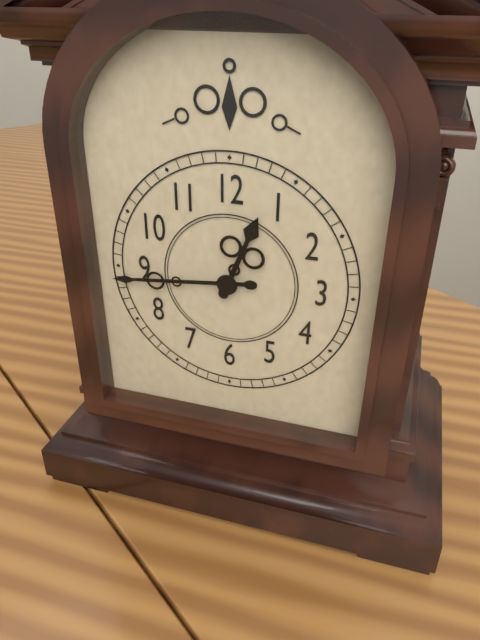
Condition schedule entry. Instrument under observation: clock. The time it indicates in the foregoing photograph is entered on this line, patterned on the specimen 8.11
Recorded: 12.44
